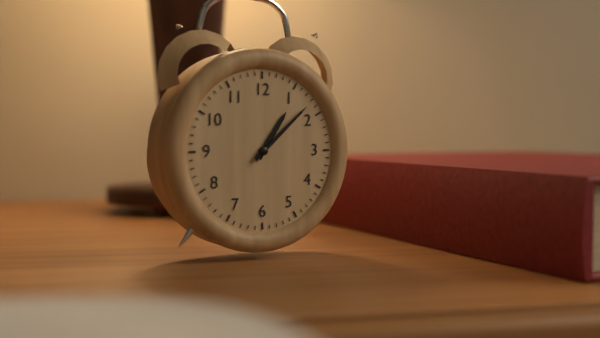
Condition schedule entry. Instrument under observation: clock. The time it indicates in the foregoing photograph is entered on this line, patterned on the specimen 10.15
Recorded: 1.08
